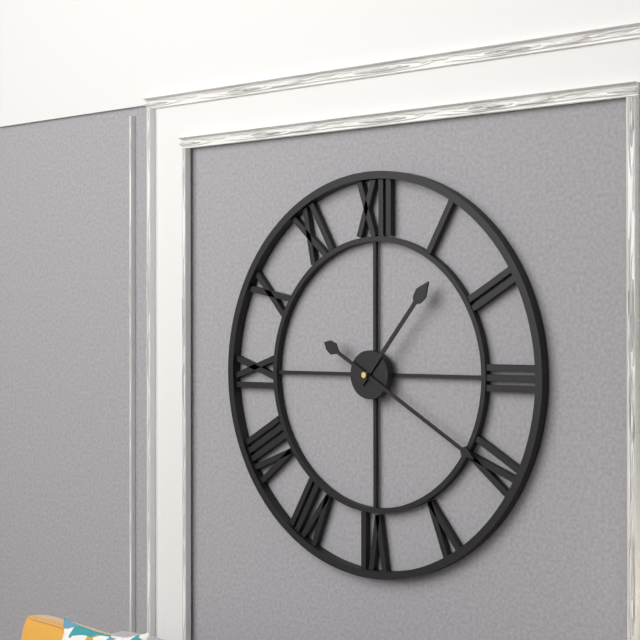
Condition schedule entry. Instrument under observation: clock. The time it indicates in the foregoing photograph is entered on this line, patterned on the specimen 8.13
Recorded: 1.20
